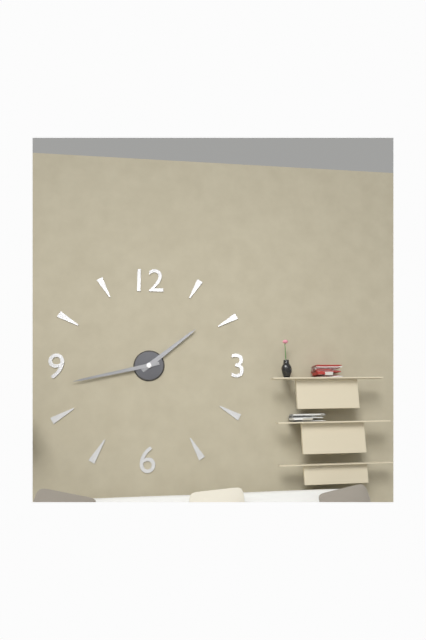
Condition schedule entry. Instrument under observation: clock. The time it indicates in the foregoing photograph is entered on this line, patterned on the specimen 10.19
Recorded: 1.43
